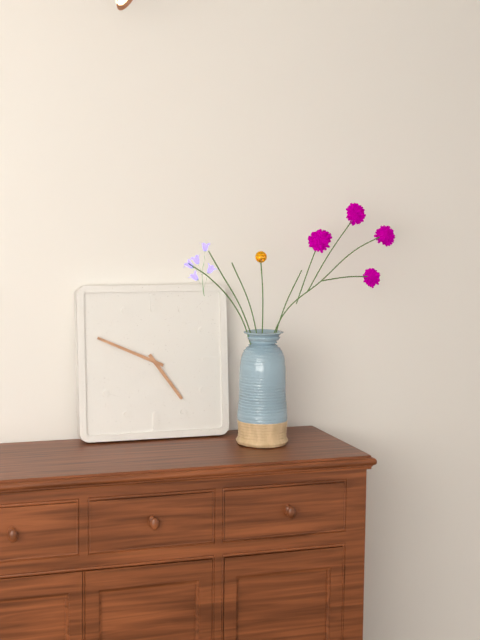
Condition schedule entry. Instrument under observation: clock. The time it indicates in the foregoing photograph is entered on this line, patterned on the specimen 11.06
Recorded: 4.49
